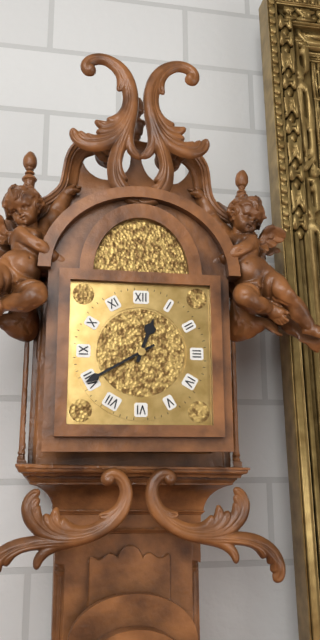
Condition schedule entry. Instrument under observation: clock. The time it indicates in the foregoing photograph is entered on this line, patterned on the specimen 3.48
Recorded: 12.40
